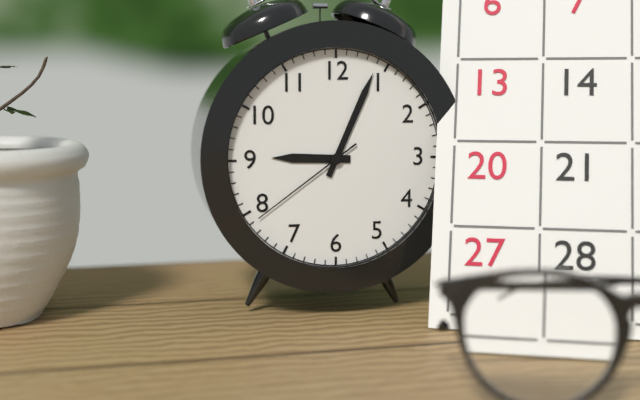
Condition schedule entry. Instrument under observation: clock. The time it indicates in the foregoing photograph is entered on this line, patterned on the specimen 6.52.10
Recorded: 9.04.39
